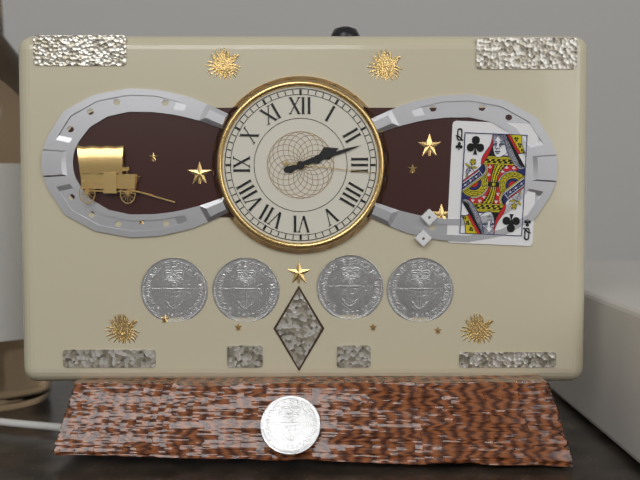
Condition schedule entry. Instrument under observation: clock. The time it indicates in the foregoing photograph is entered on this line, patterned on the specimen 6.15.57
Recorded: 2.12.16
